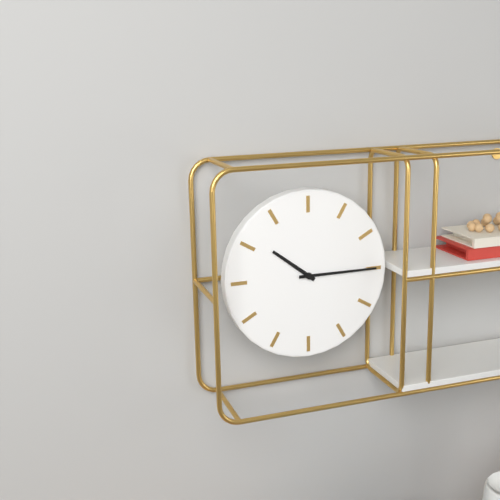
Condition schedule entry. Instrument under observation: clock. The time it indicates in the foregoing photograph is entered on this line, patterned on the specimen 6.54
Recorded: 10.15
